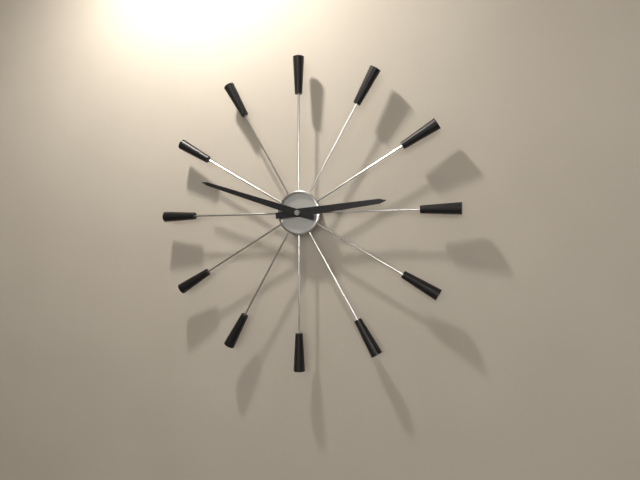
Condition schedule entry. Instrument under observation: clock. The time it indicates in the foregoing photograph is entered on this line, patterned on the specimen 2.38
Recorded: 2.48
